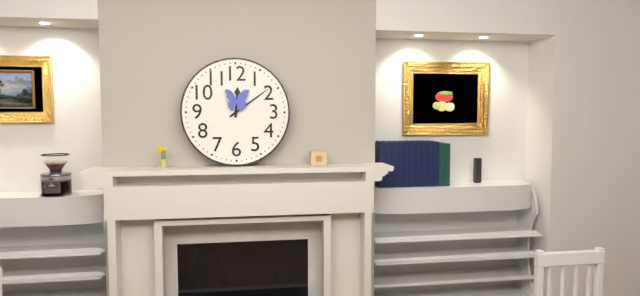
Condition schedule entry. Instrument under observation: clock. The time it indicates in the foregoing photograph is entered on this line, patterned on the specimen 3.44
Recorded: 12.09
